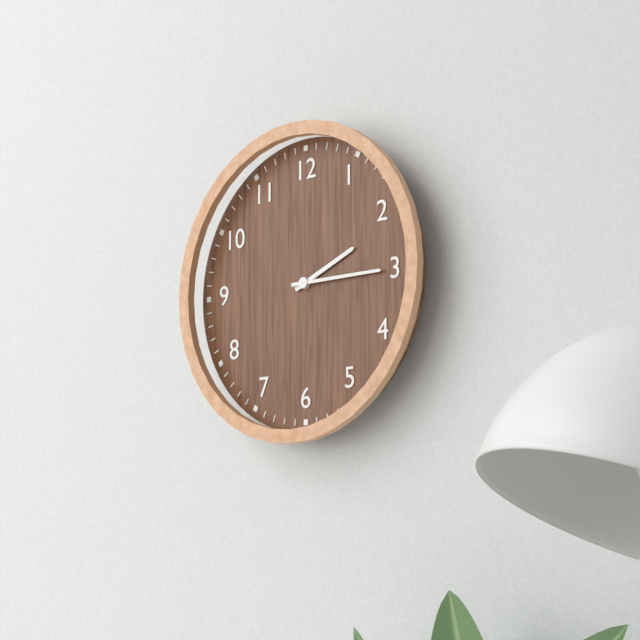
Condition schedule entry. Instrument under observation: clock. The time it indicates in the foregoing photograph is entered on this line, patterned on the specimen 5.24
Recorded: 2.15
